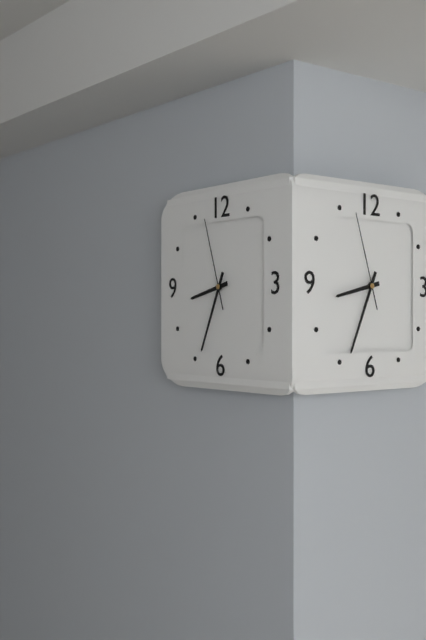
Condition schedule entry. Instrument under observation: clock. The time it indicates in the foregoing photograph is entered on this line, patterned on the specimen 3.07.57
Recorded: 8.34.57
